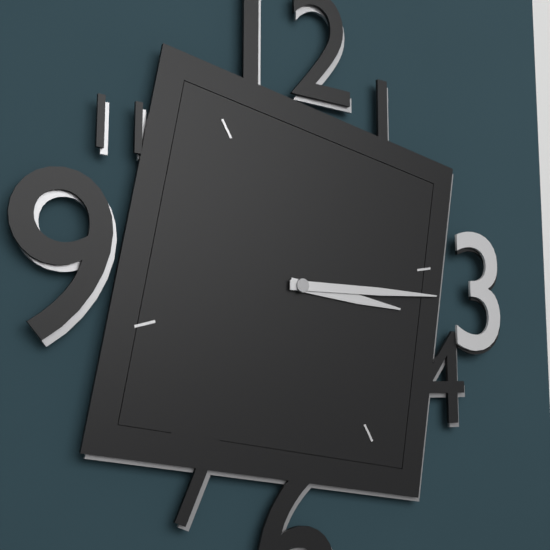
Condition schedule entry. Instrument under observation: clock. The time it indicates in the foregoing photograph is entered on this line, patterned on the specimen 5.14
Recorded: 3.15
